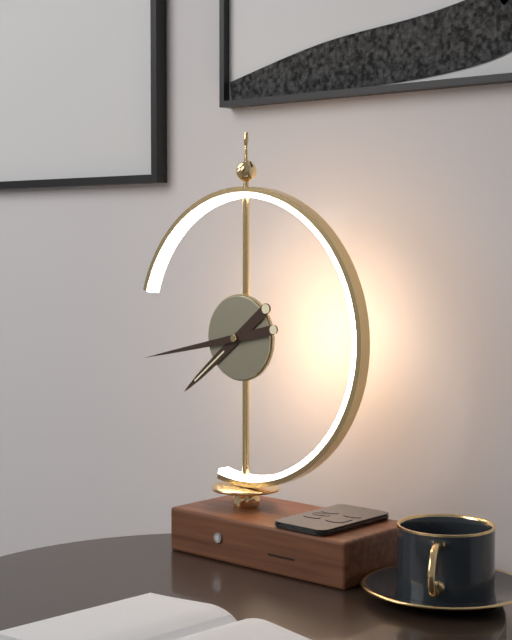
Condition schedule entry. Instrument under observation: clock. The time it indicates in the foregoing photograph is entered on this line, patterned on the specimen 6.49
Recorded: 7.43
